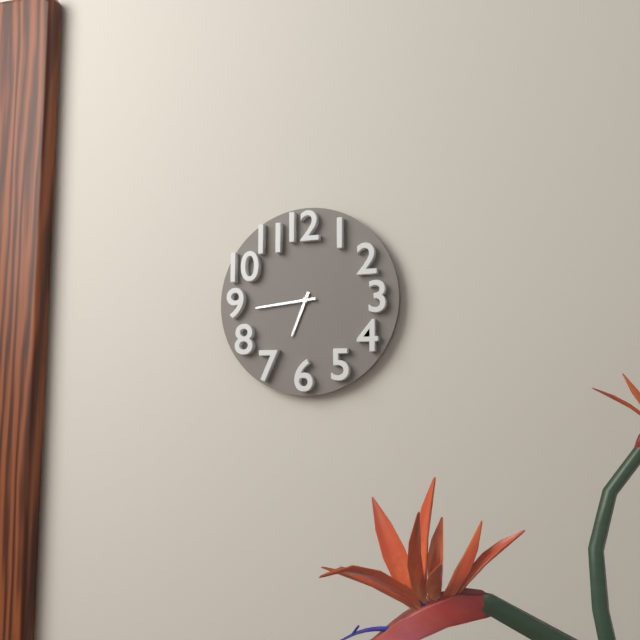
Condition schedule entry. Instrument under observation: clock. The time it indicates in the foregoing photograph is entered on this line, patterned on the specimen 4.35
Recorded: 6.44
